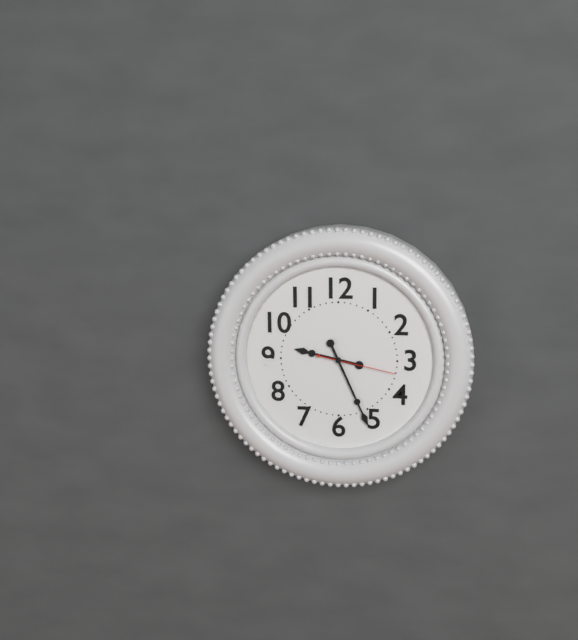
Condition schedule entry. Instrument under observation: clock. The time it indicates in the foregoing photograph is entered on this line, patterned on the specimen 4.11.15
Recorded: 9.26.17
